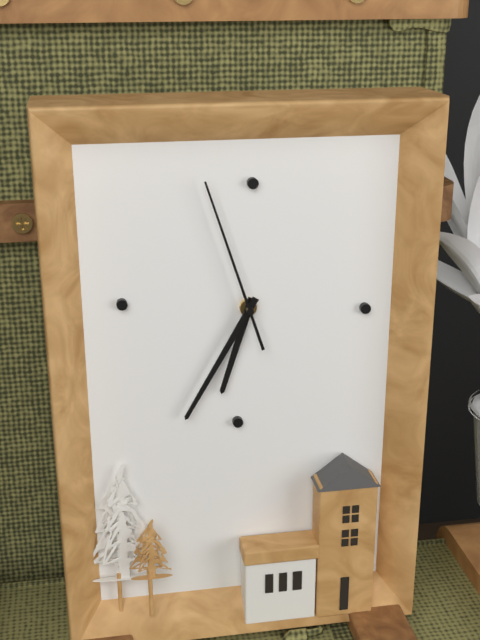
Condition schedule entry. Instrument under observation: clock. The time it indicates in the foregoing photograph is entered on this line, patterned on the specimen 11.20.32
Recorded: 6.35.57
